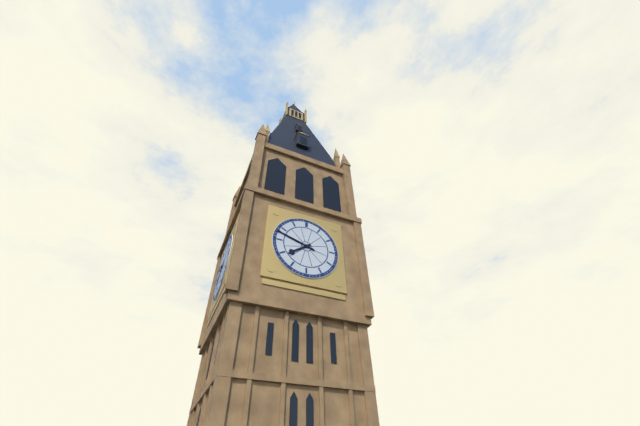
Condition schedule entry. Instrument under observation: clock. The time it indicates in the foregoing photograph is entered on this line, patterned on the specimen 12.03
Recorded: 7.48
